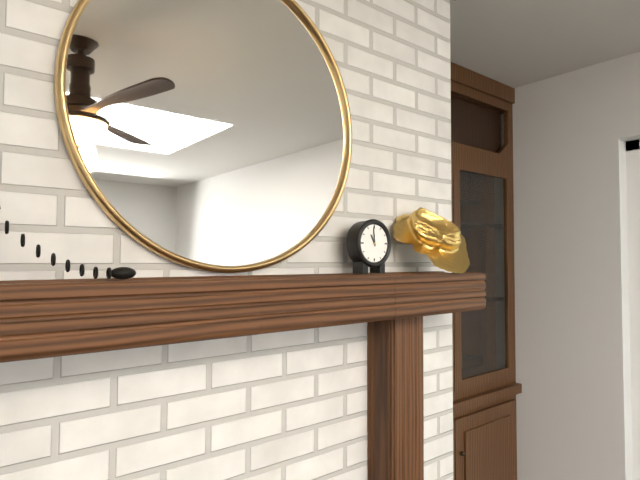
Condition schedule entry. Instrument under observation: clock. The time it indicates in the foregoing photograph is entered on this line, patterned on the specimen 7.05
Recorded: 10.59
